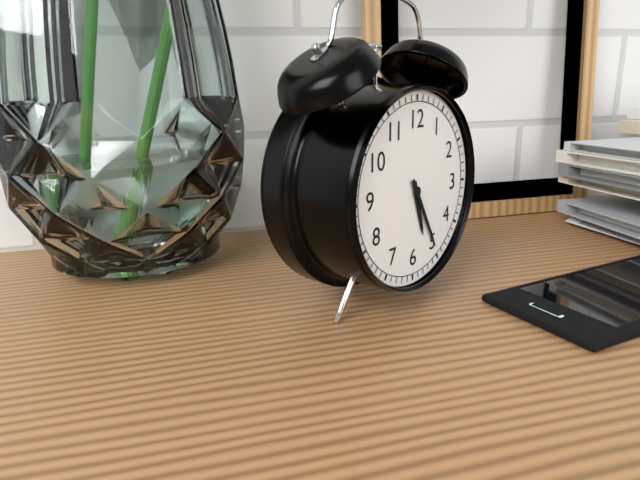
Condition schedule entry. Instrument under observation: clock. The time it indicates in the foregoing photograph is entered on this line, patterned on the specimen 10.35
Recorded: 5.25
